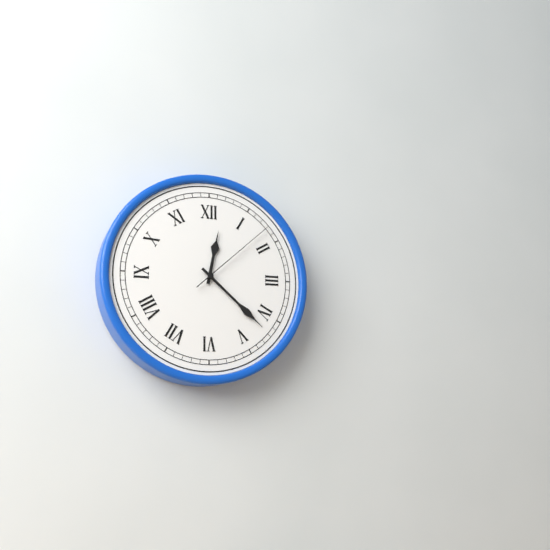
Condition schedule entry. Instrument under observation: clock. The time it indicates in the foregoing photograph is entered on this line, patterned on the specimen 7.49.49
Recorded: 12.22.08
